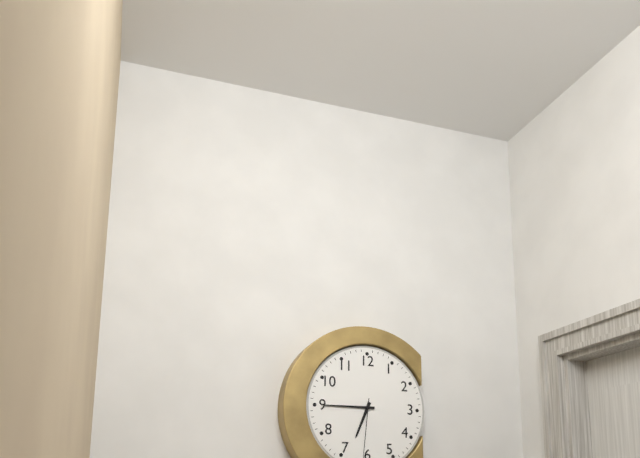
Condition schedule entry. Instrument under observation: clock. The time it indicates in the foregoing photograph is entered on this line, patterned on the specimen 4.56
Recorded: 6.45
